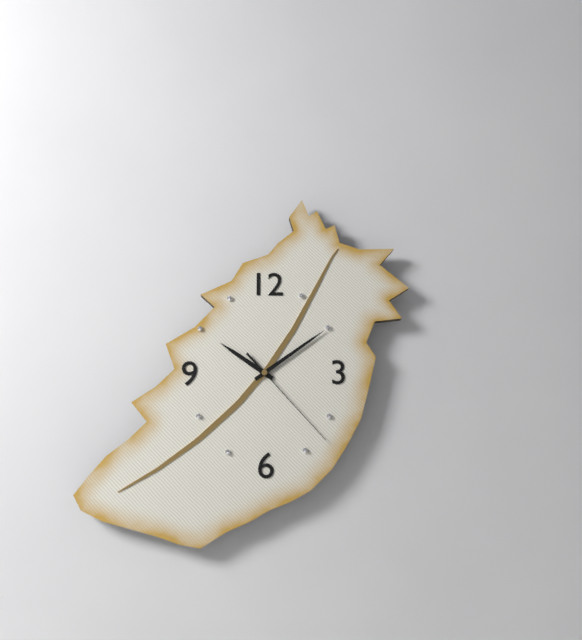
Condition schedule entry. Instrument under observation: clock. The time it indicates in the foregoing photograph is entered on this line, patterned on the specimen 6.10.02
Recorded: 10.09.23
